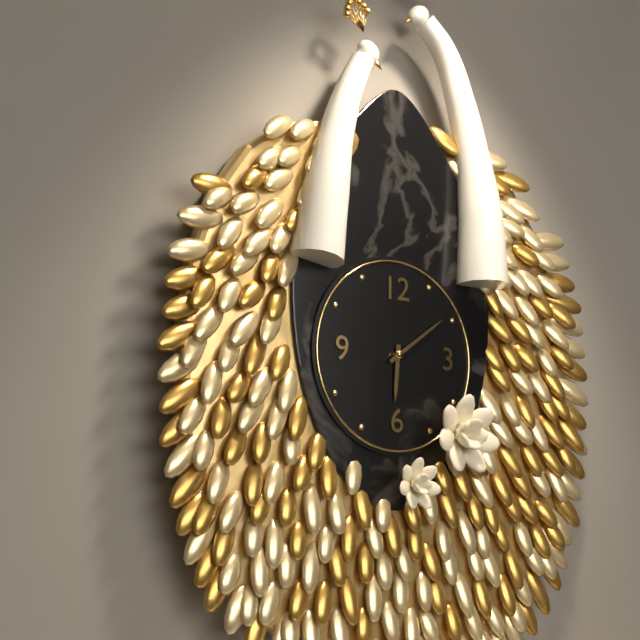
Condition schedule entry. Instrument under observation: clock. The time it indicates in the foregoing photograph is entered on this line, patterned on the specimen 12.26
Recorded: 6.09
